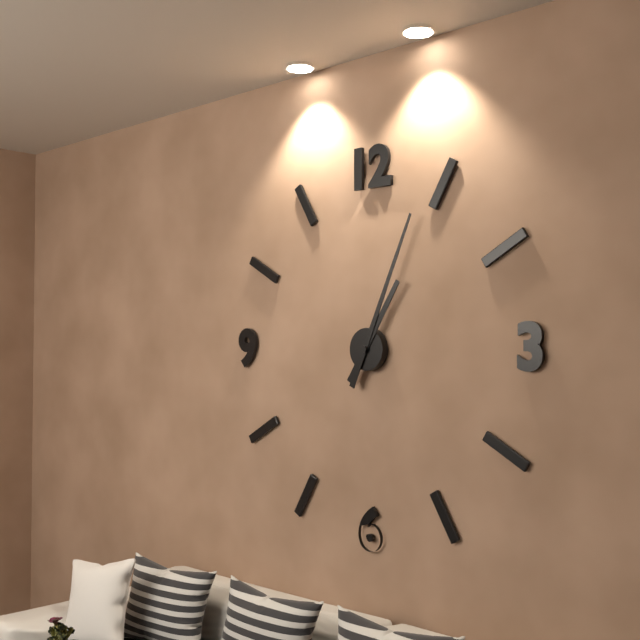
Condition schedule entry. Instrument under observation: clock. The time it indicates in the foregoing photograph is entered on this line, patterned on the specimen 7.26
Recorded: 1.04
